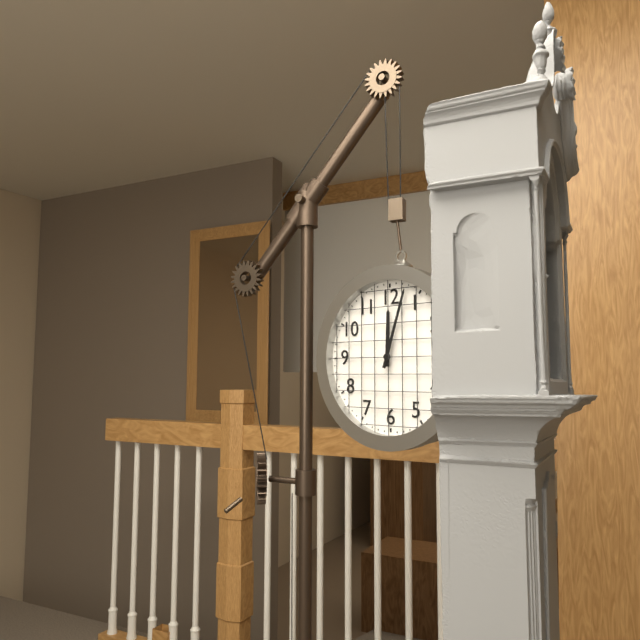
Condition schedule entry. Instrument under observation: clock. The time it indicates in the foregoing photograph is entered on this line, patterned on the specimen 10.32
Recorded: 12.03
